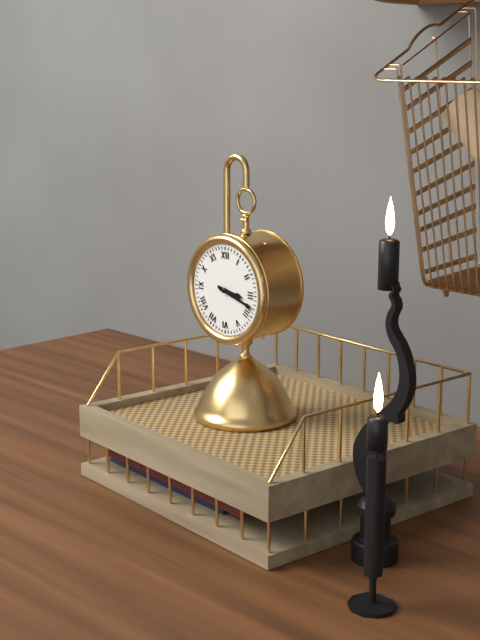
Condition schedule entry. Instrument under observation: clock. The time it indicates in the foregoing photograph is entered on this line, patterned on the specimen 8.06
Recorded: 3.18
